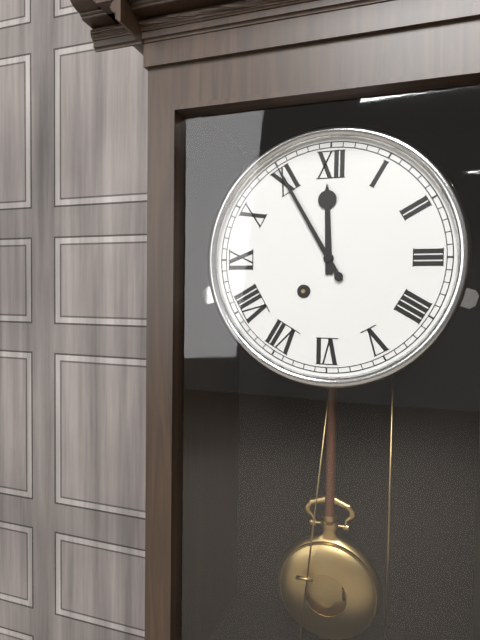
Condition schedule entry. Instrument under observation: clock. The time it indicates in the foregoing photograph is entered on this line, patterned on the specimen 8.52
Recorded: 11.55
